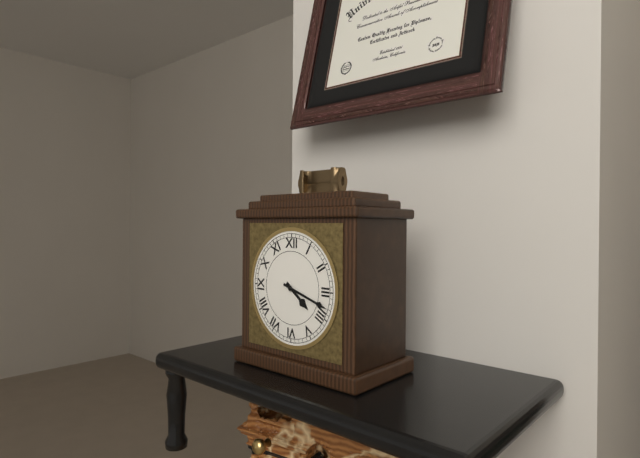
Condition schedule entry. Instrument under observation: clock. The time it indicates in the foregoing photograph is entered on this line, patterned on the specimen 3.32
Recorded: 4.18
